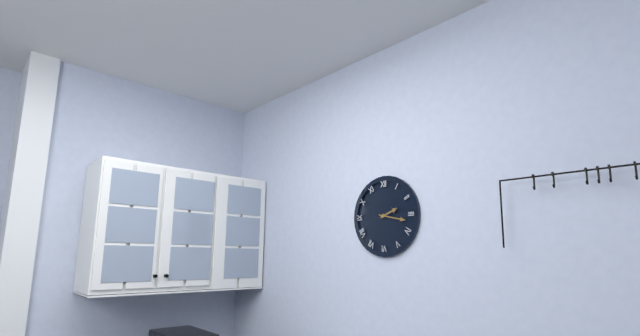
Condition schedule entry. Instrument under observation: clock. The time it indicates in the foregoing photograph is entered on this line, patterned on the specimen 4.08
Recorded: 2.17
